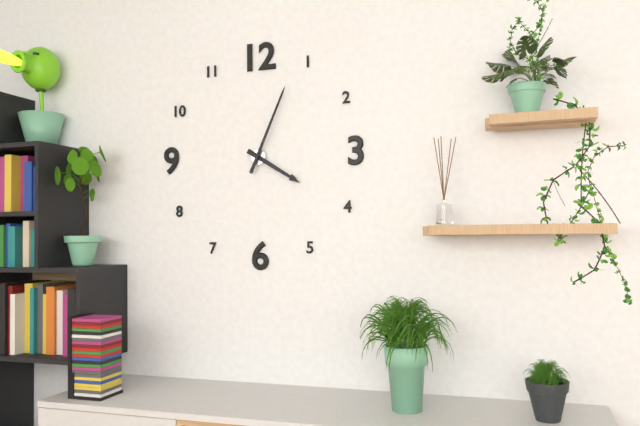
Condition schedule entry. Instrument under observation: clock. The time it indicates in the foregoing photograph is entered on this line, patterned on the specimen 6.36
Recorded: 4.04
